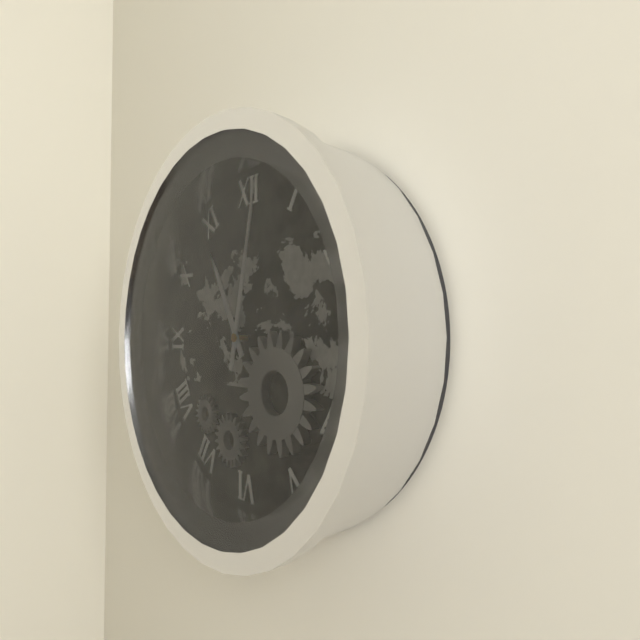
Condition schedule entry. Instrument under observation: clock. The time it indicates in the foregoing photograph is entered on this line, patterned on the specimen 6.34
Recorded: 11.02
